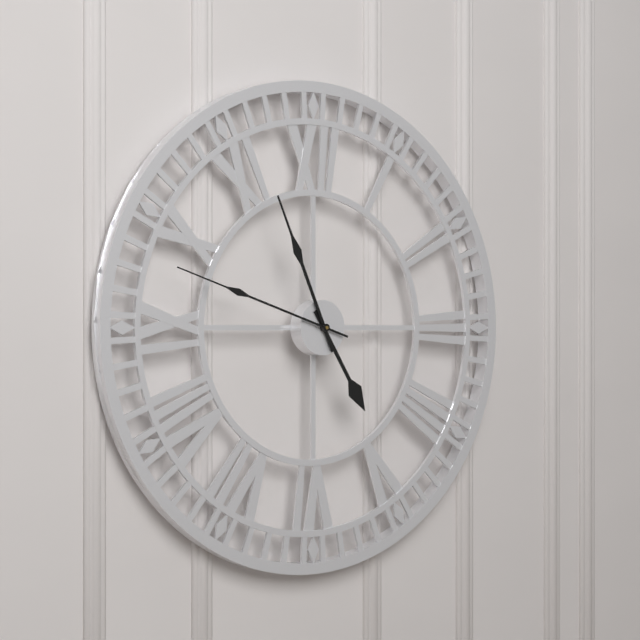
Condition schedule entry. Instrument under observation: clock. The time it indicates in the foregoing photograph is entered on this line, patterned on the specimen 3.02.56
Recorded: 4.56.48
